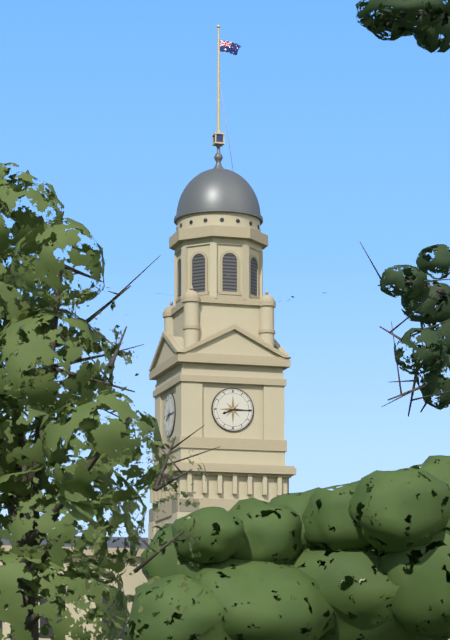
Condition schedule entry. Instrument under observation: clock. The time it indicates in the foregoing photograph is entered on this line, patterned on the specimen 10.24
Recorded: 8.15
